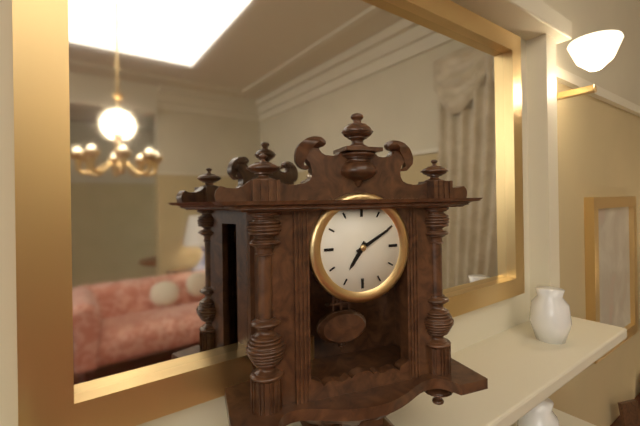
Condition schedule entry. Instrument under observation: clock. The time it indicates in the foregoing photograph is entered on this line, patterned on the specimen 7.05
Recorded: 7.10
